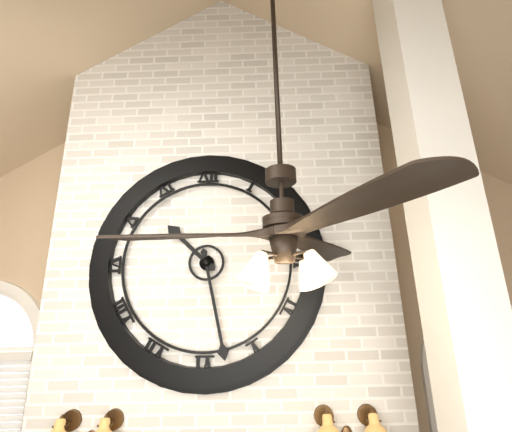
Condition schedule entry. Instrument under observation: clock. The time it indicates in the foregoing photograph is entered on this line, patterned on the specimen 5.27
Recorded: 10.28
